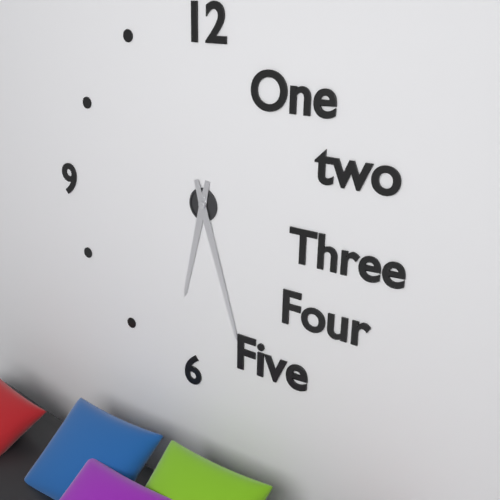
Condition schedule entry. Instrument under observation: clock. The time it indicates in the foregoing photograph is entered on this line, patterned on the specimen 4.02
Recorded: 6.27
